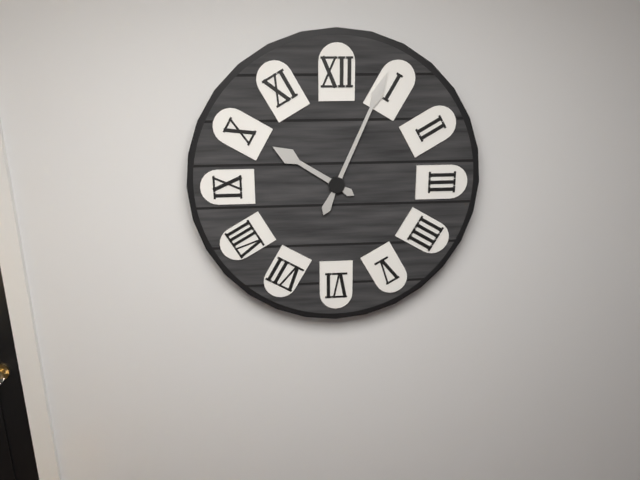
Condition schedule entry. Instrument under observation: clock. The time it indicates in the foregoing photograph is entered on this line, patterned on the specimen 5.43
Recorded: 10.04
